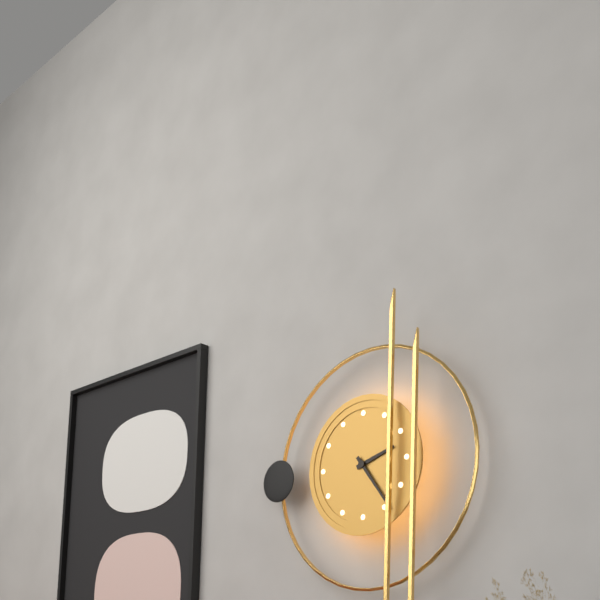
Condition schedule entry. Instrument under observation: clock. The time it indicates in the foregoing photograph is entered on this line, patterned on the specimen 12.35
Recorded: 2.24
